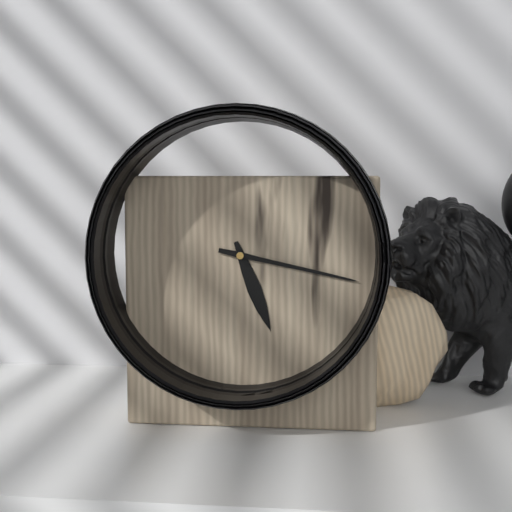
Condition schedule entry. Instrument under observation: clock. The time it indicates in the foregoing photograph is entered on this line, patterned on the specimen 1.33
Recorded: 5.17
